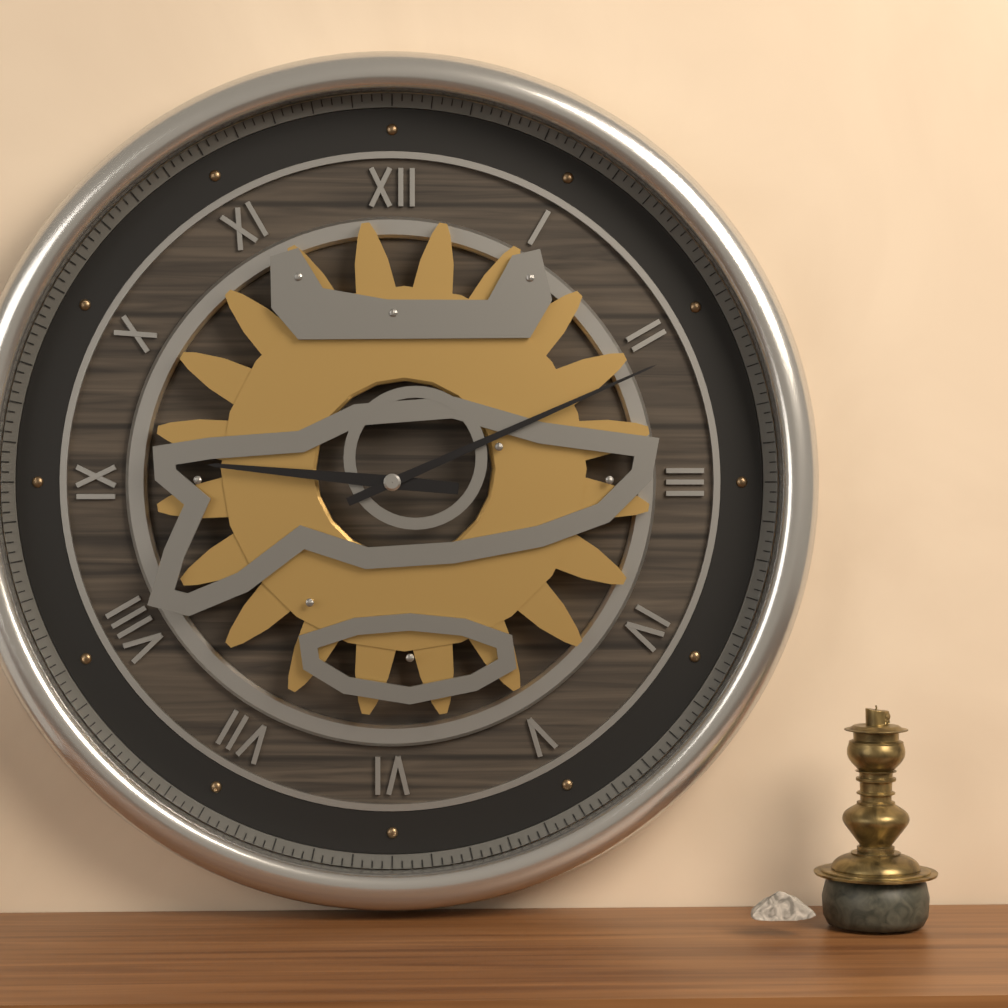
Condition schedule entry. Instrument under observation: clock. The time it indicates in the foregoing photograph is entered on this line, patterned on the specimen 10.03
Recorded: 9.11
